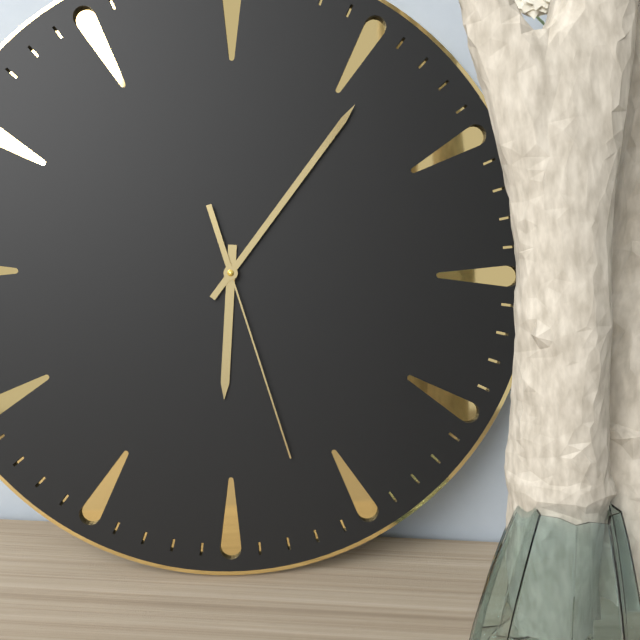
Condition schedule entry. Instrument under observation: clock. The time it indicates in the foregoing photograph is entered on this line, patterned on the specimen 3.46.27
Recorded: 6.06.27
